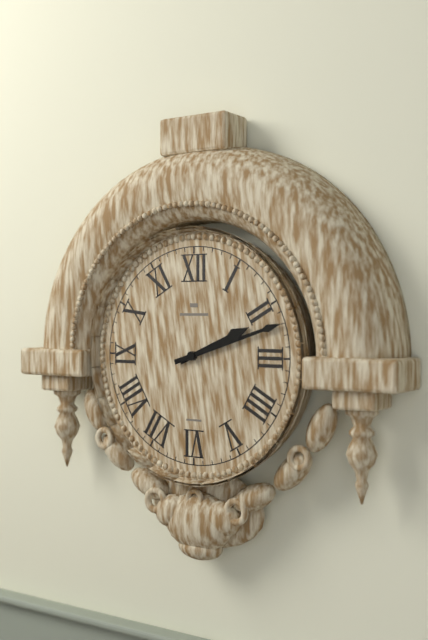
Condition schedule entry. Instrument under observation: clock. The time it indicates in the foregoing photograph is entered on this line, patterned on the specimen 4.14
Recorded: 2.12
